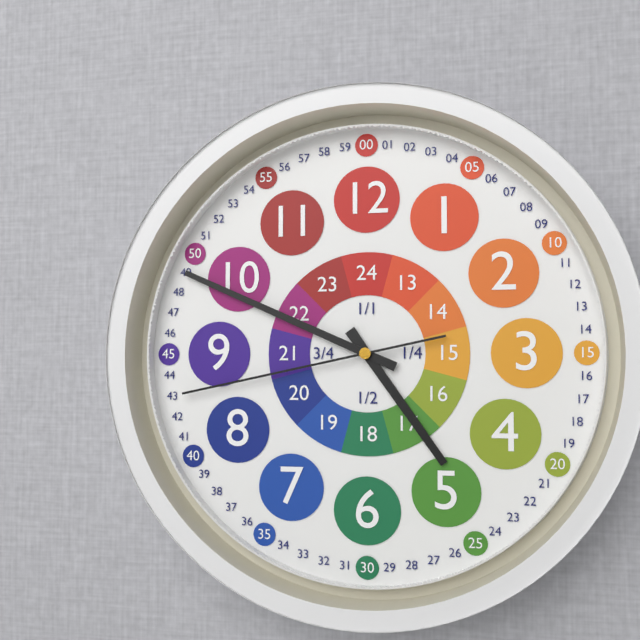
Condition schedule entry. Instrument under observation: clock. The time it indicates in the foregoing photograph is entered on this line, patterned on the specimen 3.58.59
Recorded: 4.49.43
